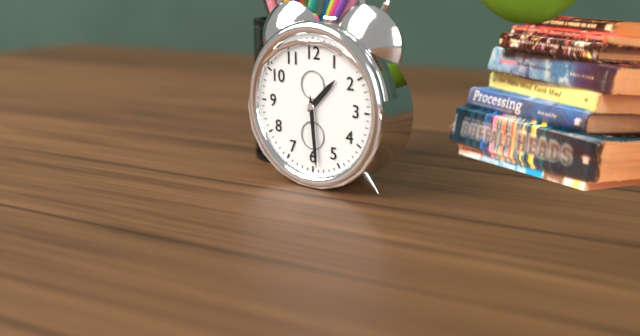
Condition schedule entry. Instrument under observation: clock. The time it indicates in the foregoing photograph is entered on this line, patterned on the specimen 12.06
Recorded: 1.29
